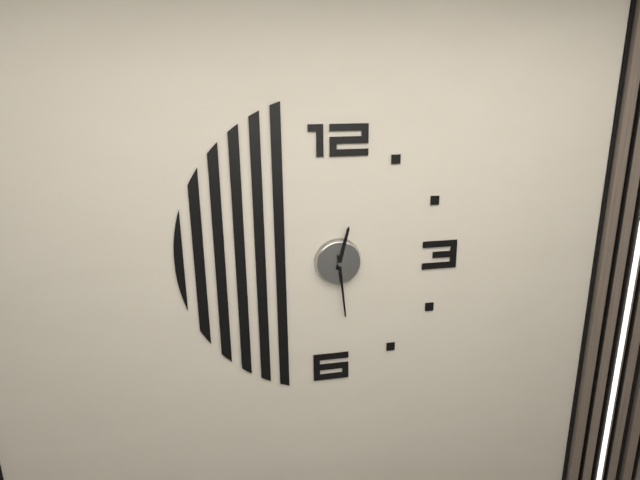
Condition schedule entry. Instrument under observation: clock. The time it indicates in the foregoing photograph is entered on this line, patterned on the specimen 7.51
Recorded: 12.29
